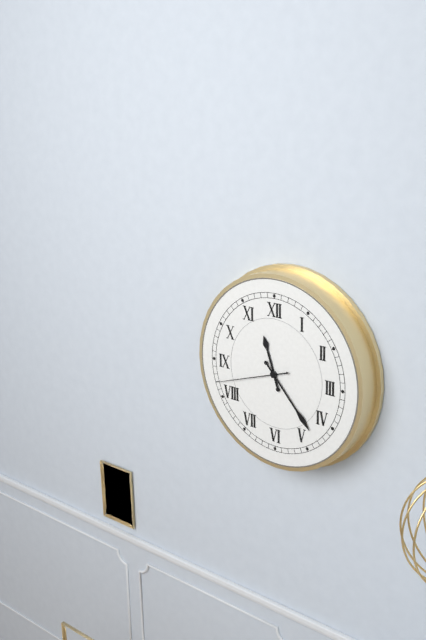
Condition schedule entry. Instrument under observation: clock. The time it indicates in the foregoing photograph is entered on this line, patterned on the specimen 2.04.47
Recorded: 11.23.42
